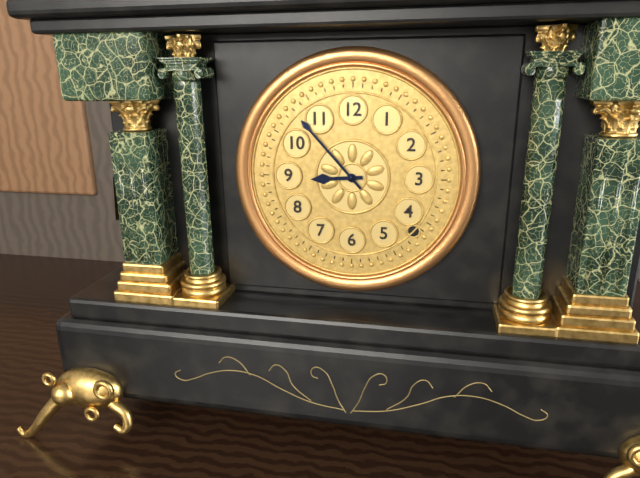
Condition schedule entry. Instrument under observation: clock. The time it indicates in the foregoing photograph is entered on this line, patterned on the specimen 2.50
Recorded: 8.53
